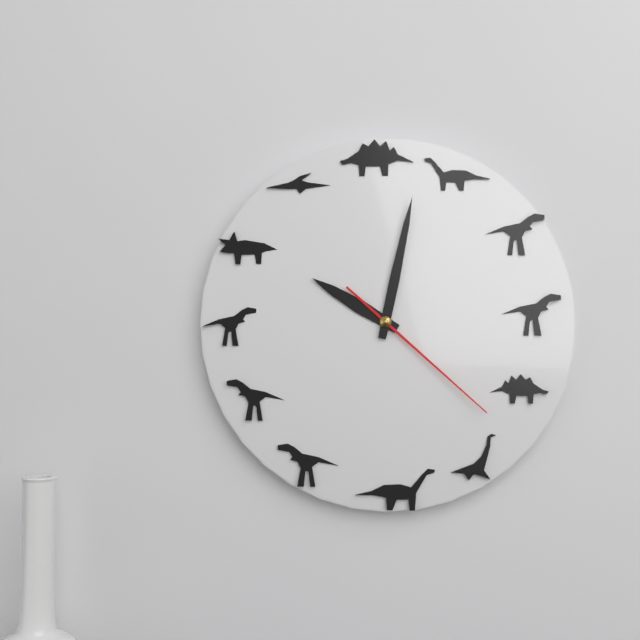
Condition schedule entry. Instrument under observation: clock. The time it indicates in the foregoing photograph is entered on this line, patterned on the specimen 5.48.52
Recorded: 10.02.22
